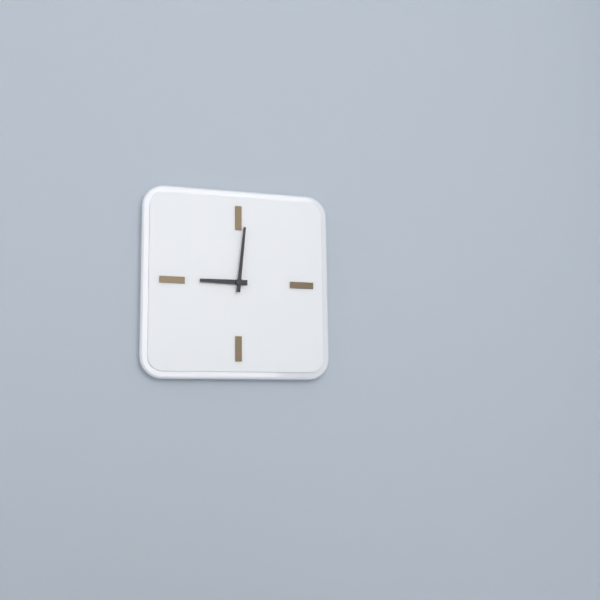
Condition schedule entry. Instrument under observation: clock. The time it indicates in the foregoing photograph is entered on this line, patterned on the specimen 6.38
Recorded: 9.01
